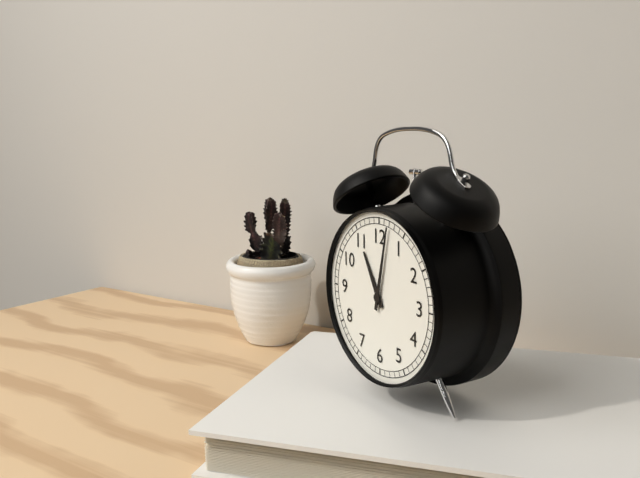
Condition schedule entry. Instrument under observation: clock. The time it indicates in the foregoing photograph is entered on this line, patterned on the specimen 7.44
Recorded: 11.02
